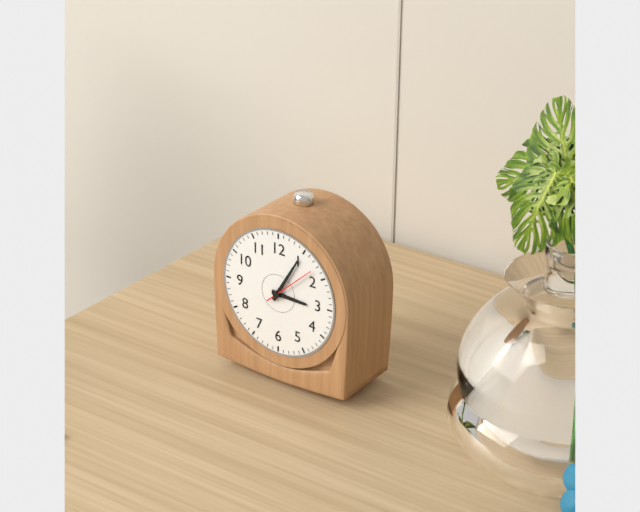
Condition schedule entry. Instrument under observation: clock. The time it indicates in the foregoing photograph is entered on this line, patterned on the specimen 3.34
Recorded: 3.05
